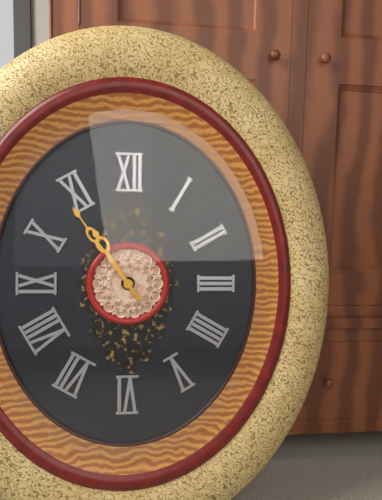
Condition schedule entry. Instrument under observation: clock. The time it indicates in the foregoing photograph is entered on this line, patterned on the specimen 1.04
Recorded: 10.54
